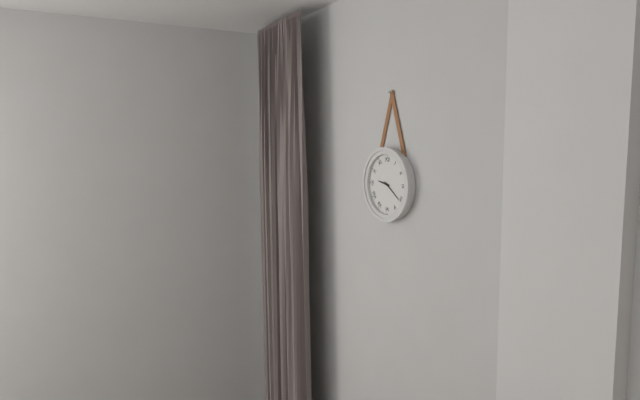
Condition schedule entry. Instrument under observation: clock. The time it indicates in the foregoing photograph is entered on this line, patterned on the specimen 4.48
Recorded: 9.21
